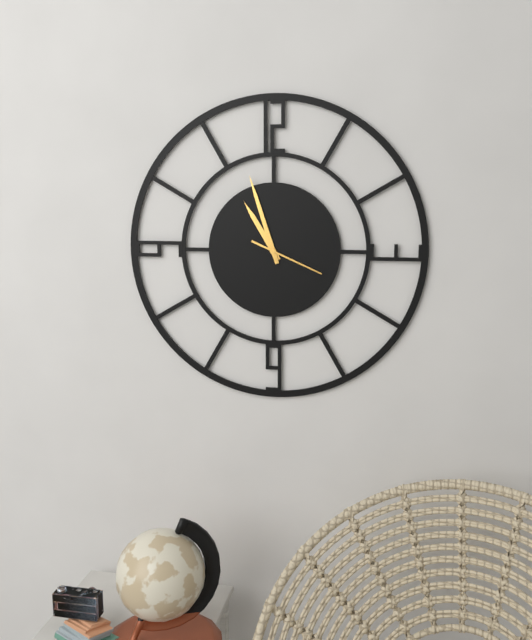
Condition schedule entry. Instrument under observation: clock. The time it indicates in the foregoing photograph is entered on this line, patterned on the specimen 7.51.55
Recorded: 10.57.19
